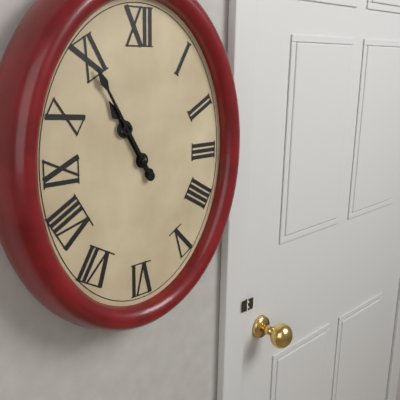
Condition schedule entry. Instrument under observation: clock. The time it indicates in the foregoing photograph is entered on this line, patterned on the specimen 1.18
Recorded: 10.55
